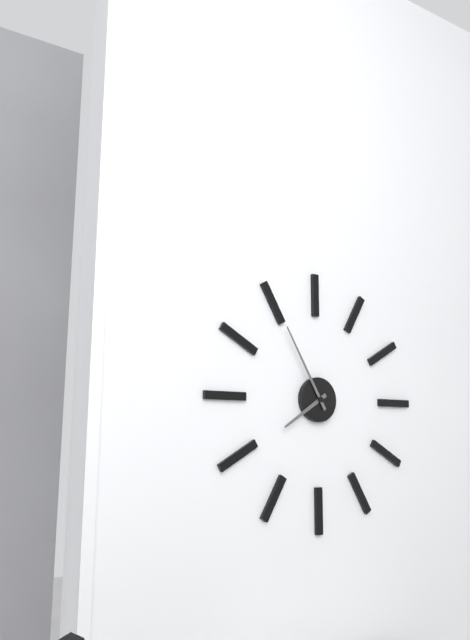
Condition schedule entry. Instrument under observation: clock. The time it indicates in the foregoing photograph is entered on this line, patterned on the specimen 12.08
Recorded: 7.55
